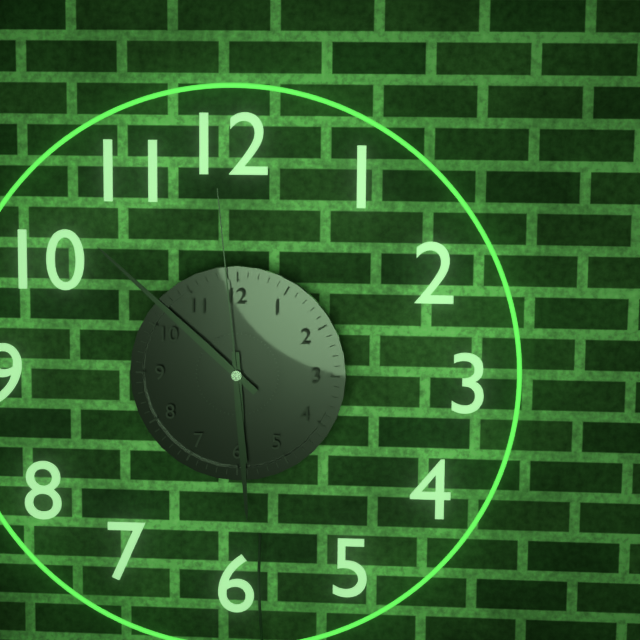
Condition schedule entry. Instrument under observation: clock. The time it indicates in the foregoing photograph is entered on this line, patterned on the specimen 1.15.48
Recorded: 5.52.59
